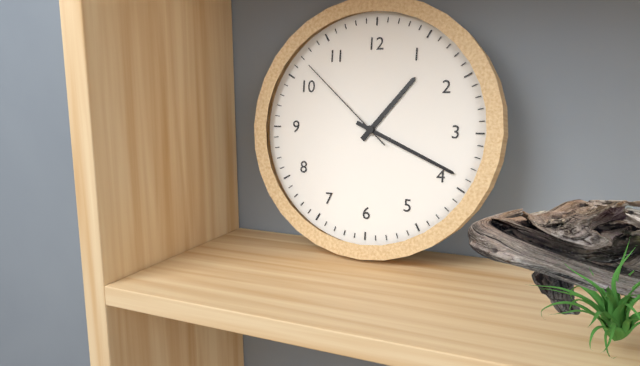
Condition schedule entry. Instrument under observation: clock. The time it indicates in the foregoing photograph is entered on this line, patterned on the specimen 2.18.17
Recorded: 1.19.52
